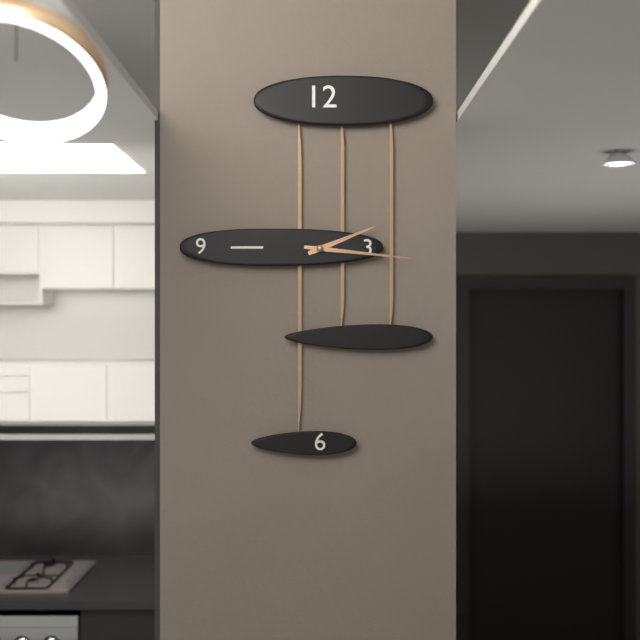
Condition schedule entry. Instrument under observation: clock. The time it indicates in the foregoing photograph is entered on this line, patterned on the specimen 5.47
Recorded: 2.16
